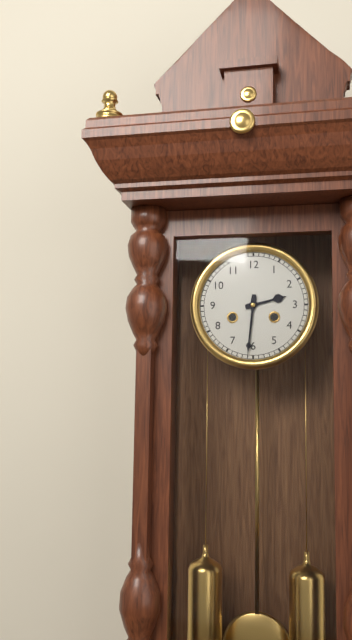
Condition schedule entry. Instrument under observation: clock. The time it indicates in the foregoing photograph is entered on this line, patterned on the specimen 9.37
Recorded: 2.31
